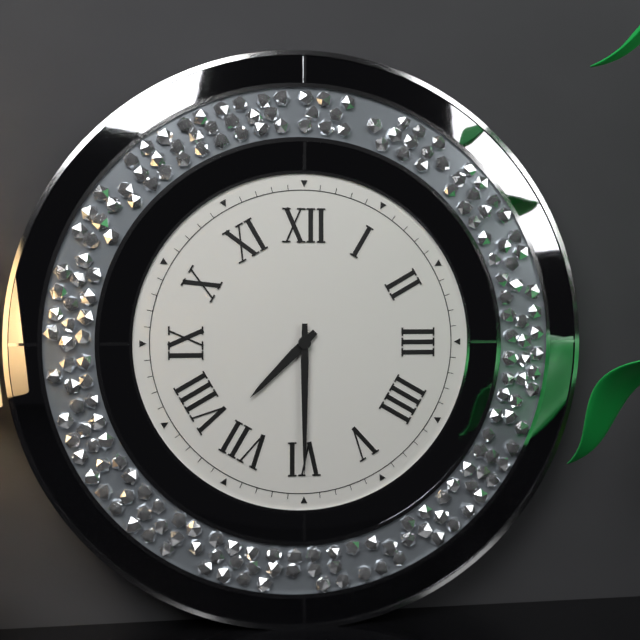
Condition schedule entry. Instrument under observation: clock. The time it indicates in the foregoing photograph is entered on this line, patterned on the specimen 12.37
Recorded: 7.30
